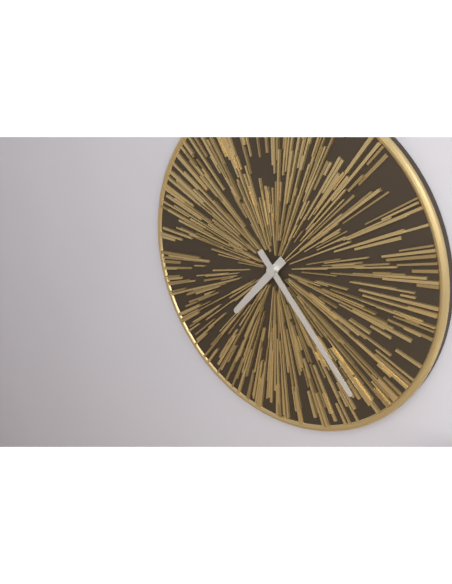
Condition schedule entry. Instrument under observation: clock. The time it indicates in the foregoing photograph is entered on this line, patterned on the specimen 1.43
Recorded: 7.23
